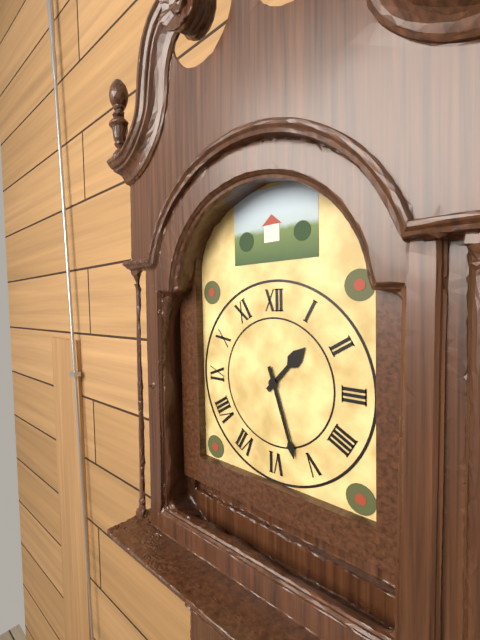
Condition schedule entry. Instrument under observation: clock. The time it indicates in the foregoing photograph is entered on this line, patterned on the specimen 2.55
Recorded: 1.27
